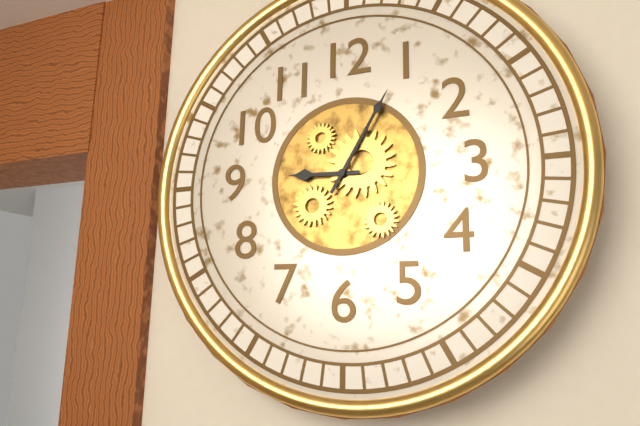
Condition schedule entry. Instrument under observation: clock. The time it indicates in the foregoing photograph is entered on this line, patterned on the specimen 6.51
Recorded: 9.05
